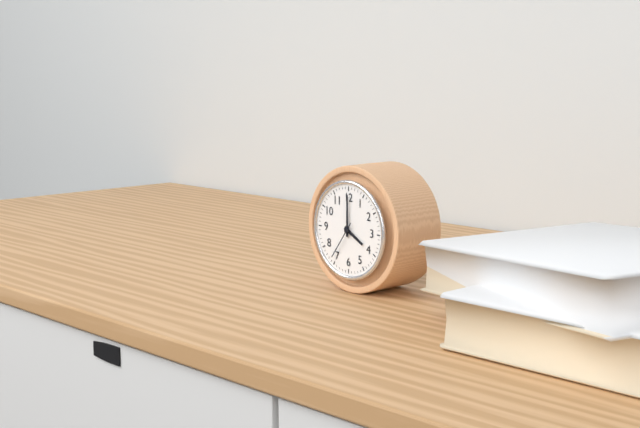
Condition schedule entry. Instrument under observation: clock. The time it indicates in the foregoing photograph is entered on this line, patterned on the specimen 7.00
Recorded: 4.00
